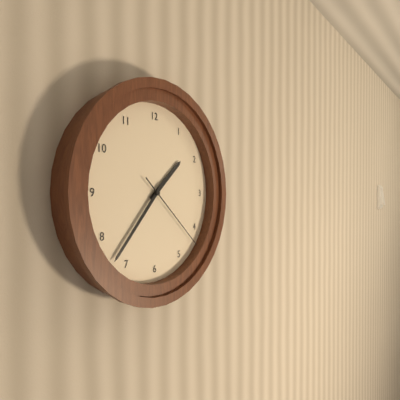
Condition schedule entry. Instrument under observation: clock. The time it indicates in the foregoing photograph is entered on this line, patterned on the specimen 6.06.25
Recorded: 1.37.22
